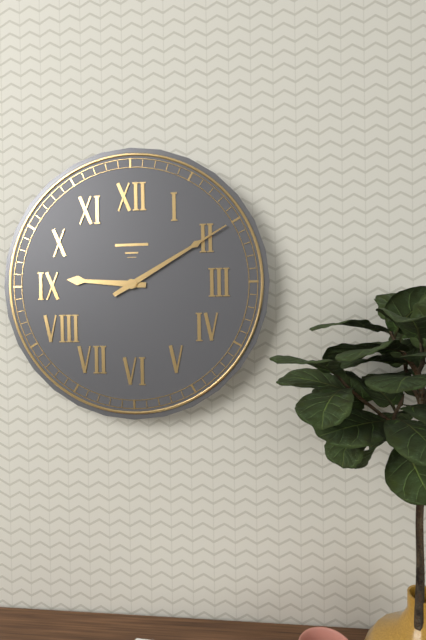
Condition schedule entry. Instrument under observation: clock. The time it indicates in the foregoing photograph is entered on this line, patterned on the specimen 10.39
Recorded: 9.10
